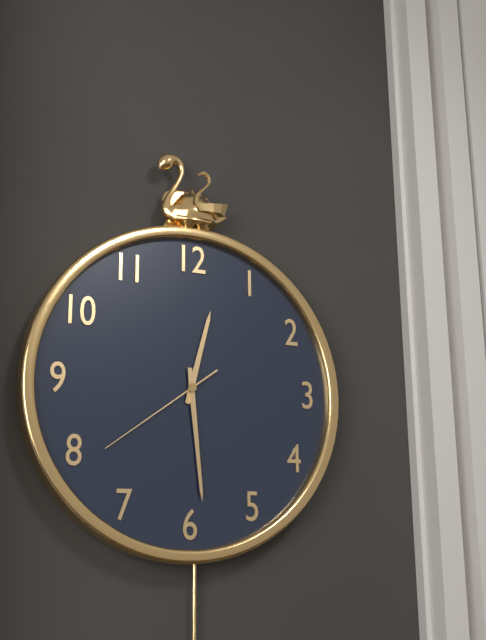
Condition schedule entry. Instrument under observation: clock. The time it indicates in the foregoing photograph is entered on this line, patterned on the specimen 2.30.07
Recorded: 12.29.39
